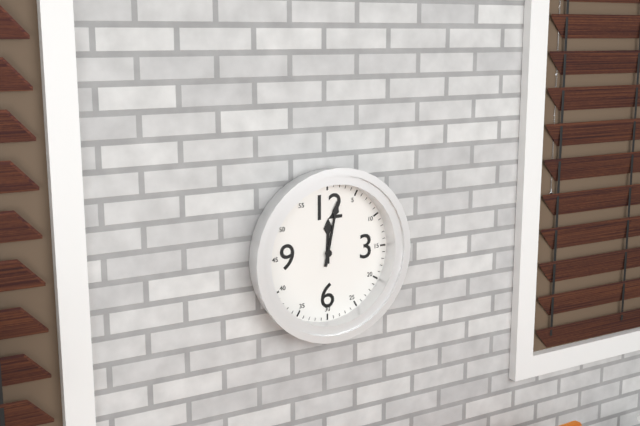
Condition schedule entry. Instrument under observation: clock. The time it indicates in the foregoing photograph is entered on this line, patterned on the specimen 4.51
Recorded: 12.02
